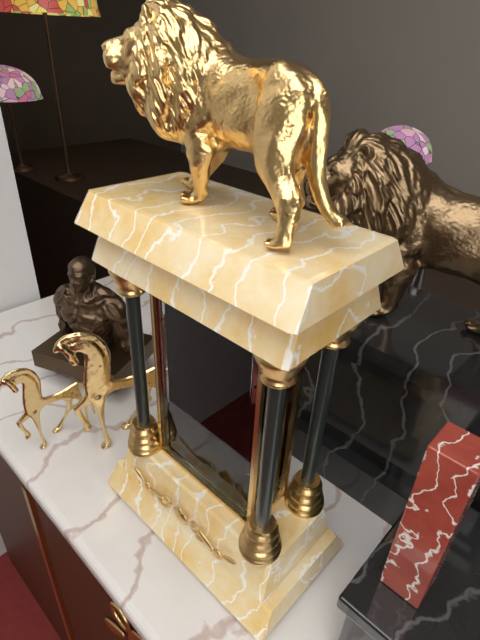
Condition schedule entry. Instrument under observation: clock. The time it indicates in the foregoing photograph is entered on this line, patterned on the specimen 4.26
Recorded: 1.09
